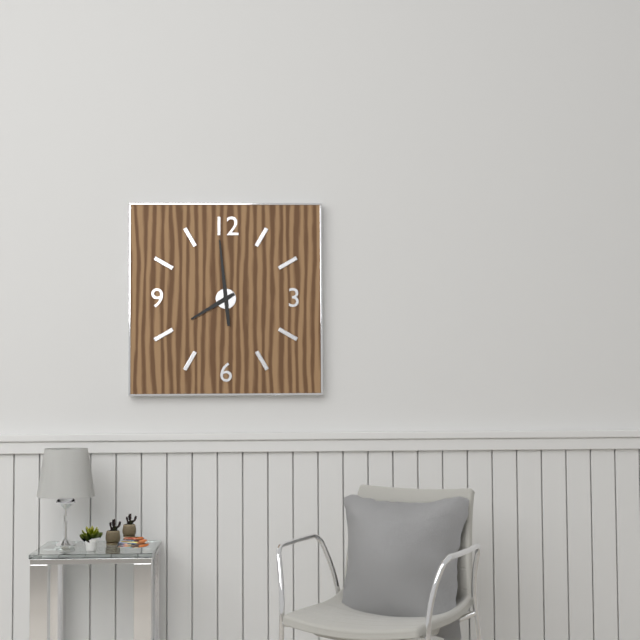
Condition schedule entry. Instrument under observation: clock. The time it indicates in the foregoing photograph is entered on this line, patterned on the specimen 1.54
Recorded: 7.59
